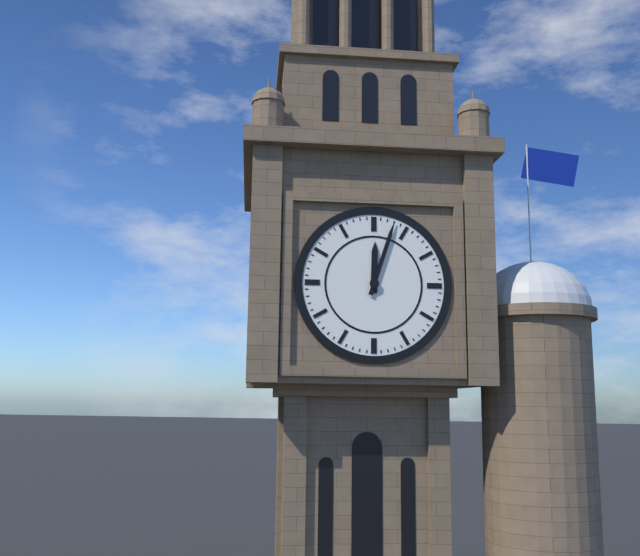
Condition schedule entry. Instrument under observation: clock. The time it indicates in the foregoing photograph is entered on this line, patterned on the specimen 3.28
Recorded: 12.03
